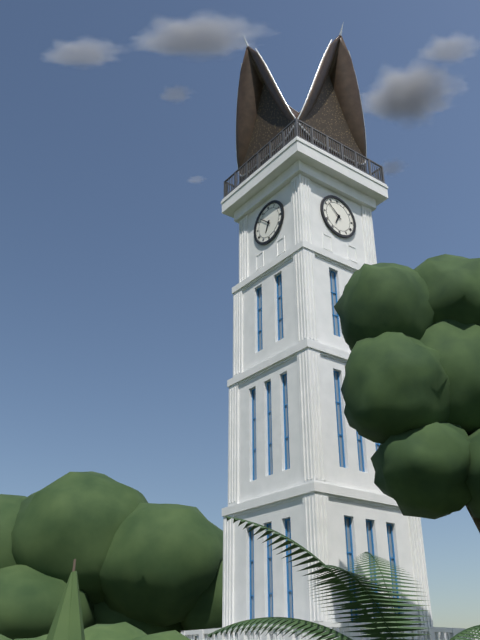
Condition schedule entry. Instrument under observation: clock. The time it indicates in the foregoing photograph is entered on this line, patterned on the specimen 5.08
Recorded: 6.52
